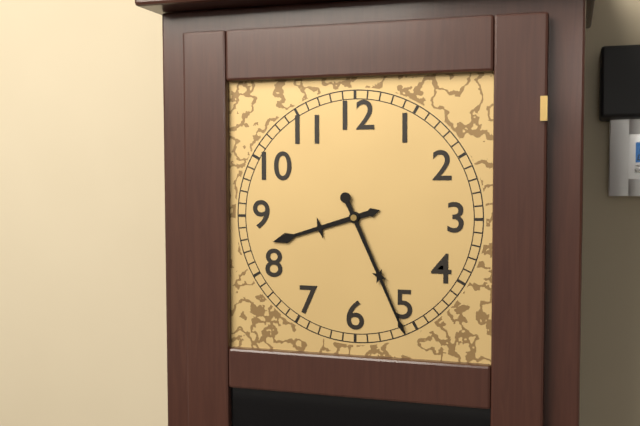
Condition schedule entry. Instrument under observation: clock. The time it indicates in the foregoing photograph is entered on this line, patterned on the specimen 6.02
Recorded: 8.26
